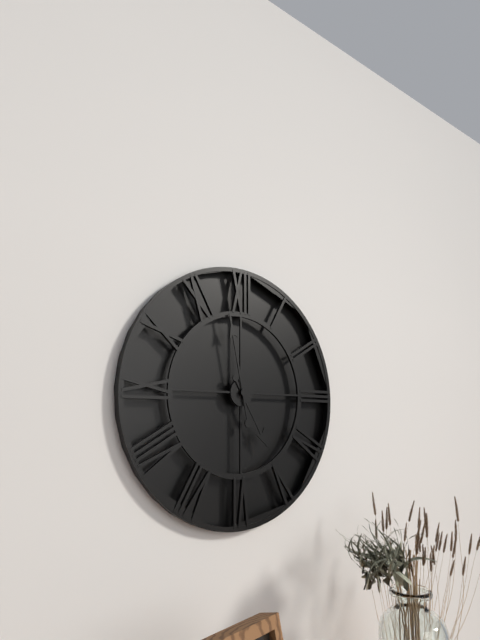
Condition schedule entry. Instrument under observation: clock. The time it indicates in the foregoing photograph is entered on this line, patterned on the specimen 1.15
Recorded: 4.58
